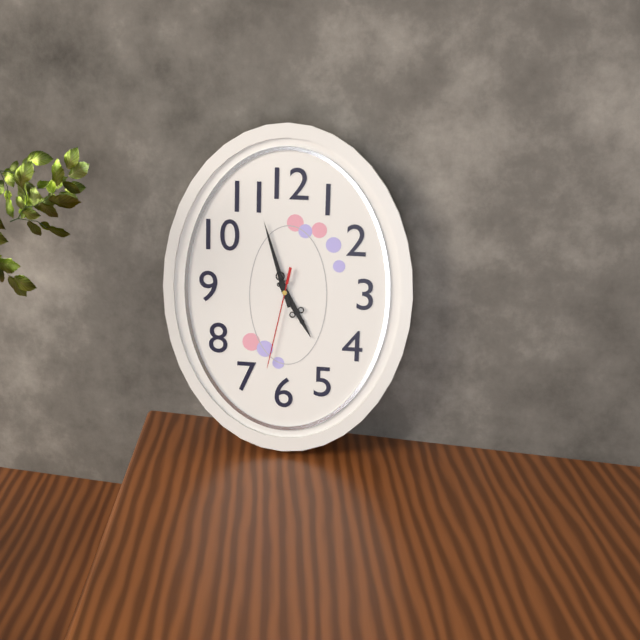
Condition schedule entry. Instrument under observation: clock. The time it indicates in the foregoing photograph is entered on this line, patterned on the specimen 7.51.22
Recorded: 4.57.32
